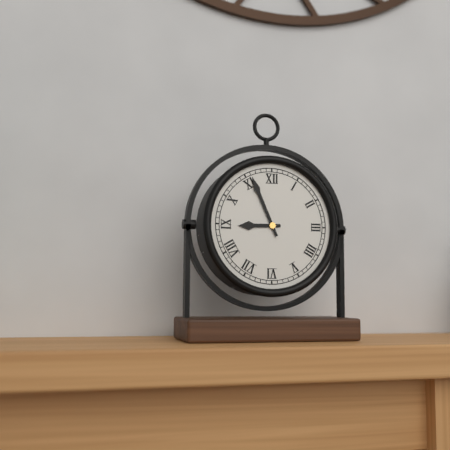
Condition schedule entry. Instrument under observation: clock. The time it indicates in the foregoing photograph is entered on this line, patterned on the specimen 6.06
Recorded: 8.56
